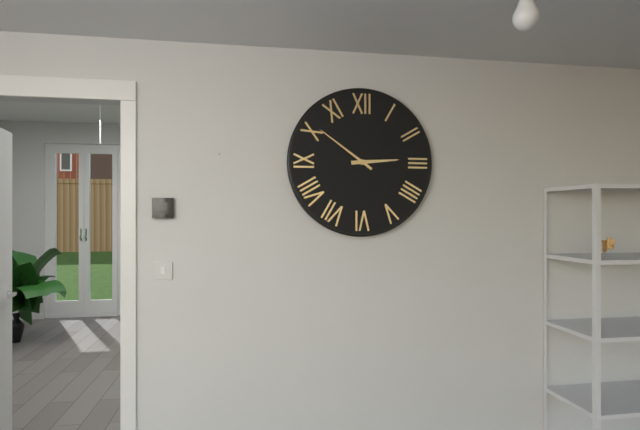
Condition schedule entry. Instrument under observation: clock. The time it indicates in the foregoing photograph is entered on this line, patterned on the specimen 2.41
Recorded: 2.51
